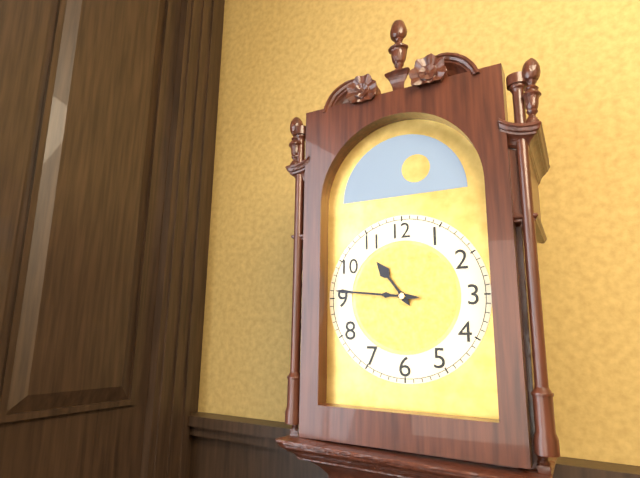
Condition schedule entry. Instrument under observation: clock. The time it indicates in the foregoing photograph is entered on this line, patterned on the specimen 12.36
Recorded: 10.46
